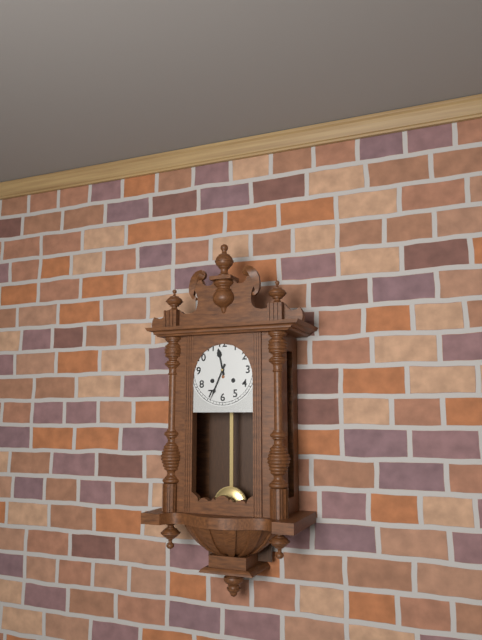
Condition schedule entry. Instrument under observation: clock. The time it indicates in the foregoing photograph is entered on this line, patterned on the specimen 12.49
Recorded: 11.34
